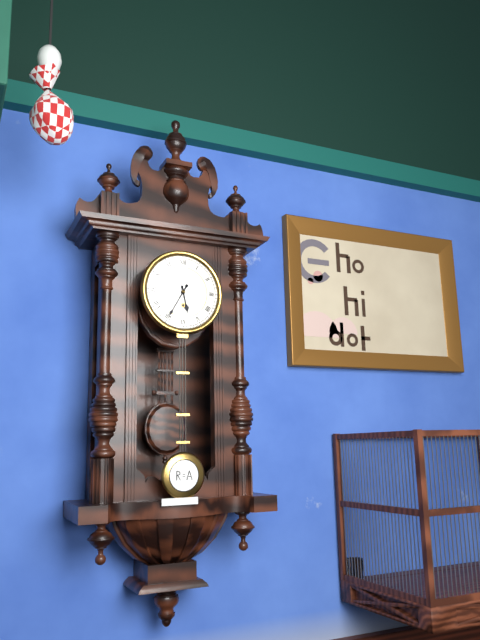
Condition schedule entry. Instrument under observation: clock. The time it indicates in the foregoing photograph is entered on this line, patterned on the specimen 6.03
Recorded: 5.35
